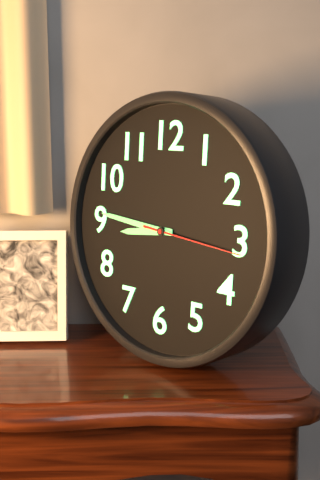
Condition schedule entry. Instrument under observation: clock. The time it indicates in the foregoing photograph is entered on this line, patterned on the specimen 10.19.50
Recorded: 8.46.16
